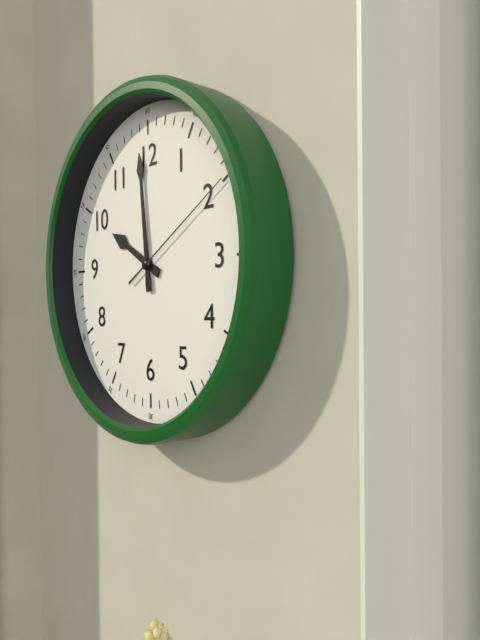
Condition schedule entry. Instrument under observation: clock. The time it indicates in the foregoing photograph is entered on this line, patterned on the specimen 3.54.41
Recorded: 9.59.10
